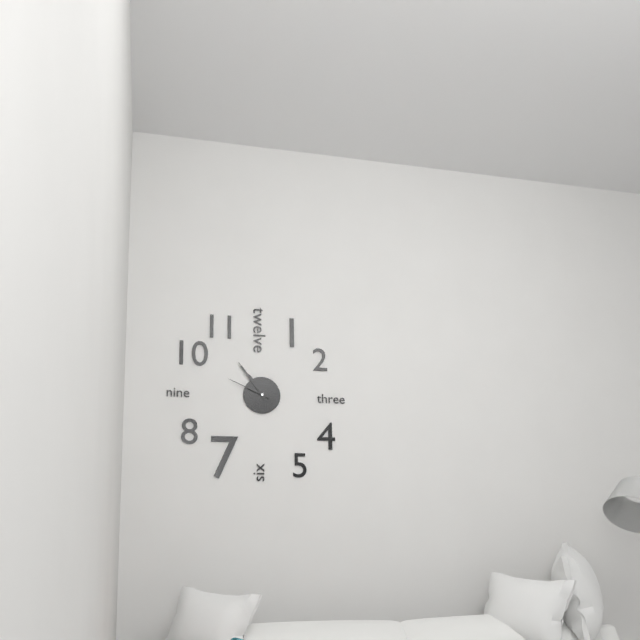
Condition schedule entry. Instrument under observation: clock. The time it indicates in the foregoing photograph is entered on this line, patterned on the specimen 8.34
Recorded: 10.54
